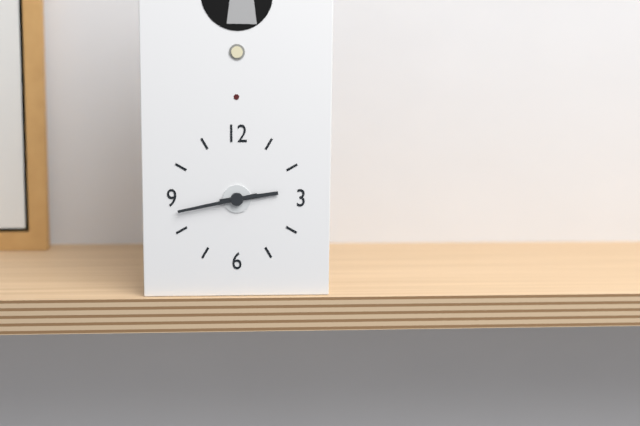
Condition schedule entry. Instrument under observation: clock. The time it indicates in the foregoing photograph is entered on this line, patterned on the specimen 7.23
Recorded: 2.43
